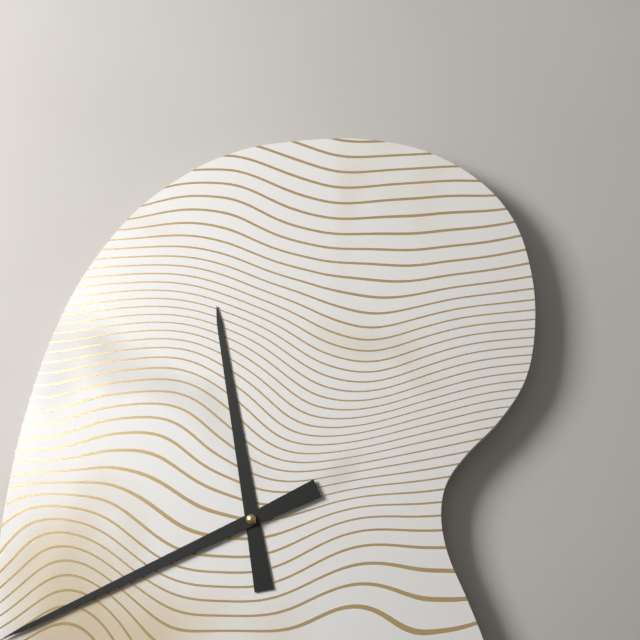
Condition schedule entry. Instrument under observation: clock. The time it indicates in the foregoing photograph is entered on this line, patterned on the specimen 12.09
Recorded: 11.41
